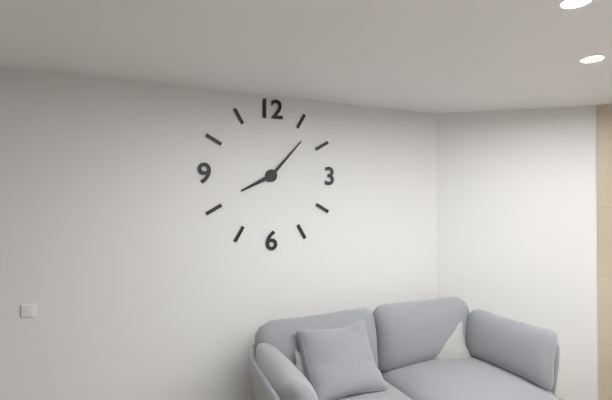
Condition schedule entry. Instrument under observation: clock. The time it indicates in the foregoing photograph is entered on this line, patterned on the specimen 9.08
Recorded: 8.07
